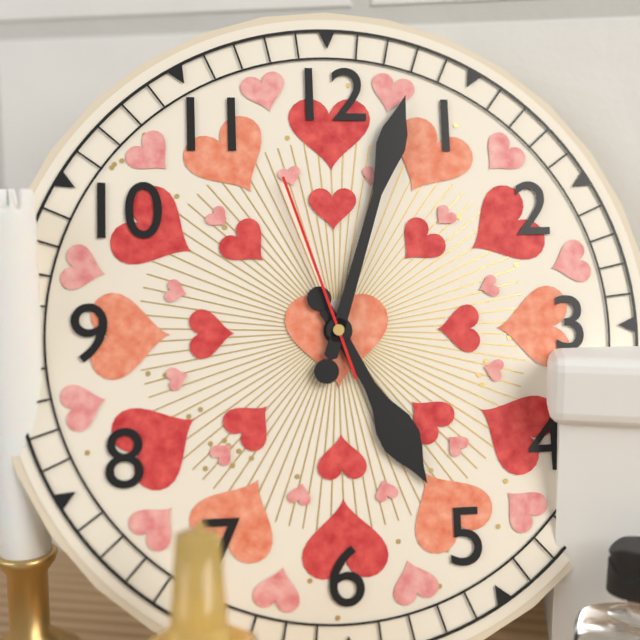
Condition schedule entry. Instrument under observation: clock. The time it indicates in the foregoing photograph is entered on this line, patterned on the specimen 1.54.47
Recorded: 5.03.57
